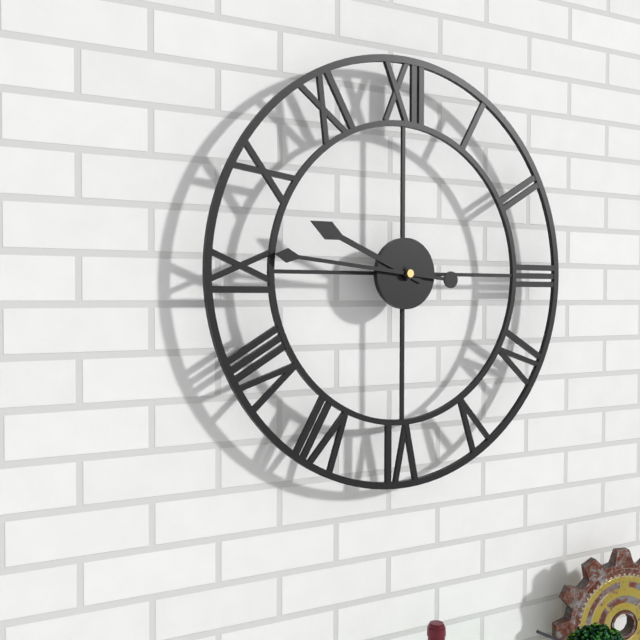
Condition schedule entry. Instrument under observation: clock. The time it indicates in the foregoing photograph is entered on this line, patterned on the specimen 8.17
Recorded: 9.46
